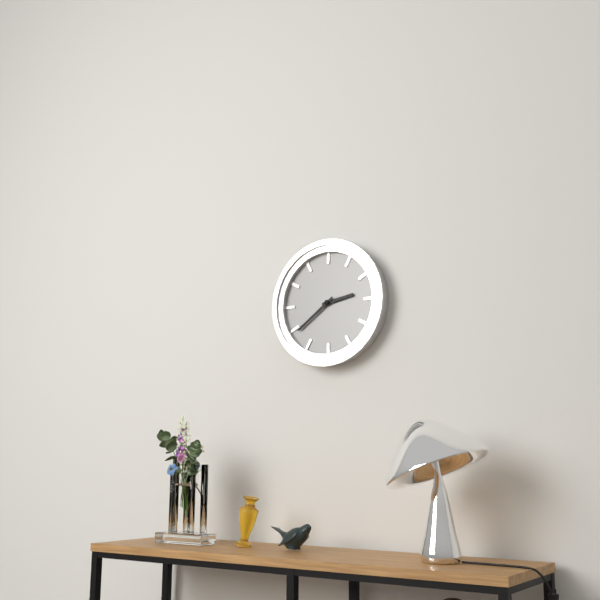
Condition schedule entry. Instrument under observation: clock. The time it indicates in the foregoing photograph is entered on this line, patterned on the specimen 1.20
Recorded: 2.39
